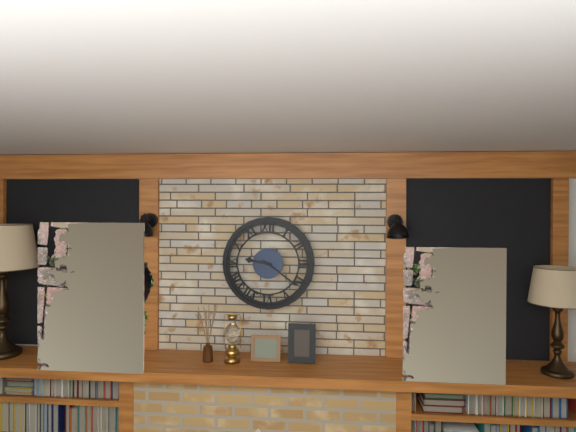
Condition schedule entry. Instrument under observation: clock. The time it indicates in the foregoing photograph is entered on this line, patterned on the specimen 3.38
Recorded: 9.21
